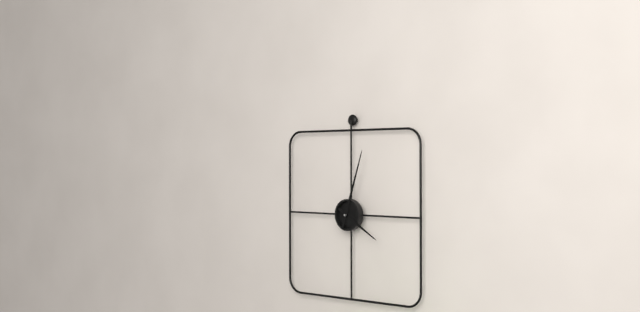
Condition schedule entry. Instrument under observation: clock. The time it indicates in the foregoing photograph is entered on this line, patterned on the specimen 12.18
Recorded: 4.03
